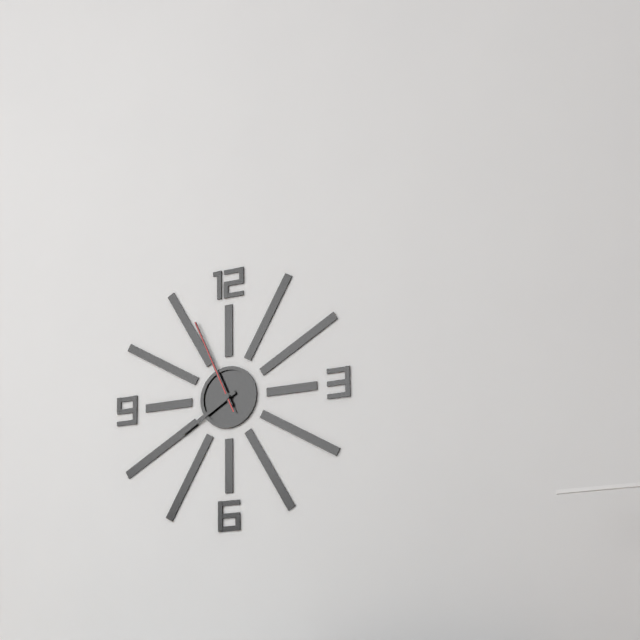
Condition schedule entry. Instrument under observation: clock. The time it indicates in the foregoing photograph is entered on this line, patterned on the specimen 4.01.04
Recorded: 7.56.56
